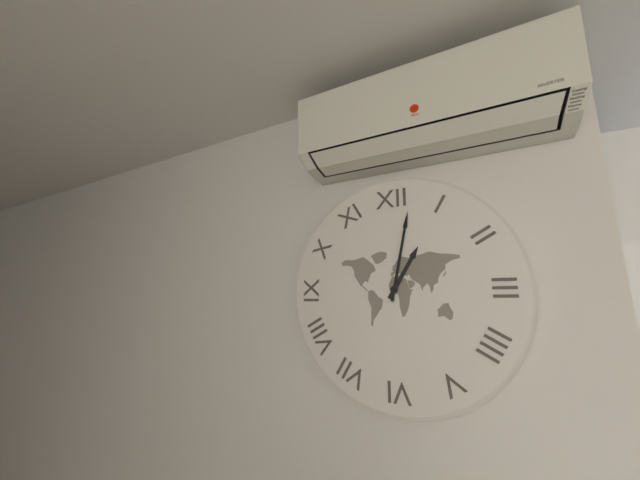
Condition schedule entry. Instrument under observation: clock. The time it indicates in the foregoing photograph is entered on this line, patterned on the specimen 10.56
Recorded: 1.02
